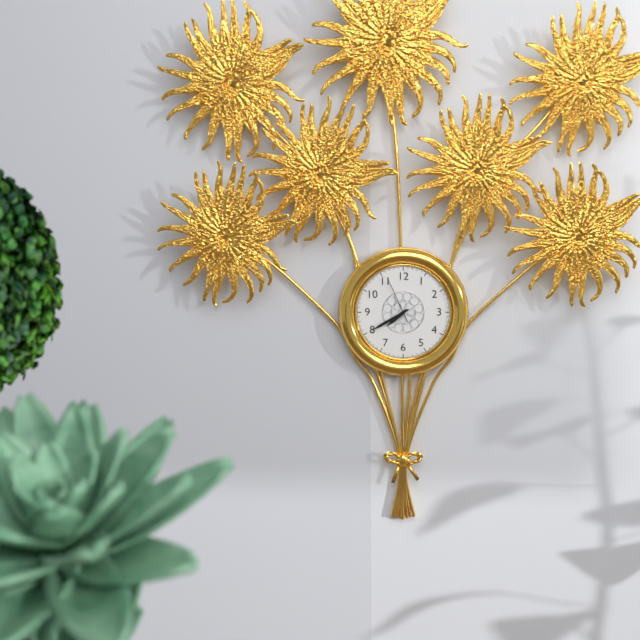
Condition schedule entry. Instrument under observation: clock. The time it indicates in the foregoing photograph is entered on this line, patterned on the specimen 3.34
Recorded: 7.40
